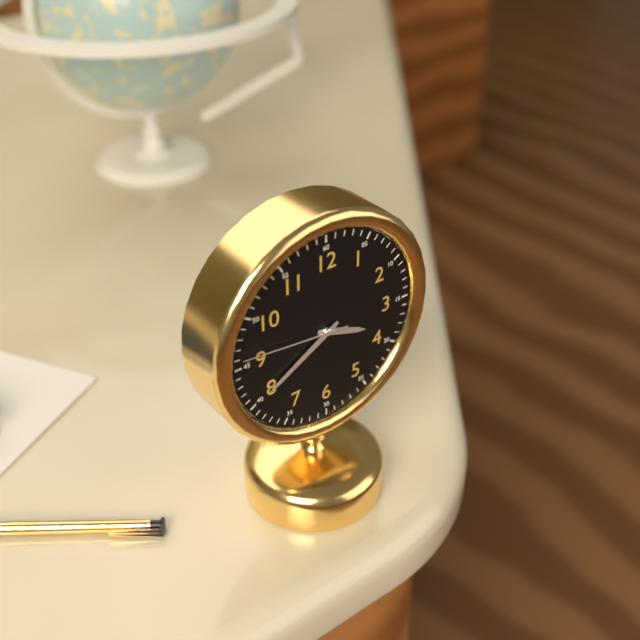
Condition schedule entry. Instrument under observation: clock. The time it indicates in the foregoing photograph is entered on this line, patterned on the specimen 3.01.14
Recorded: 3.40.46
